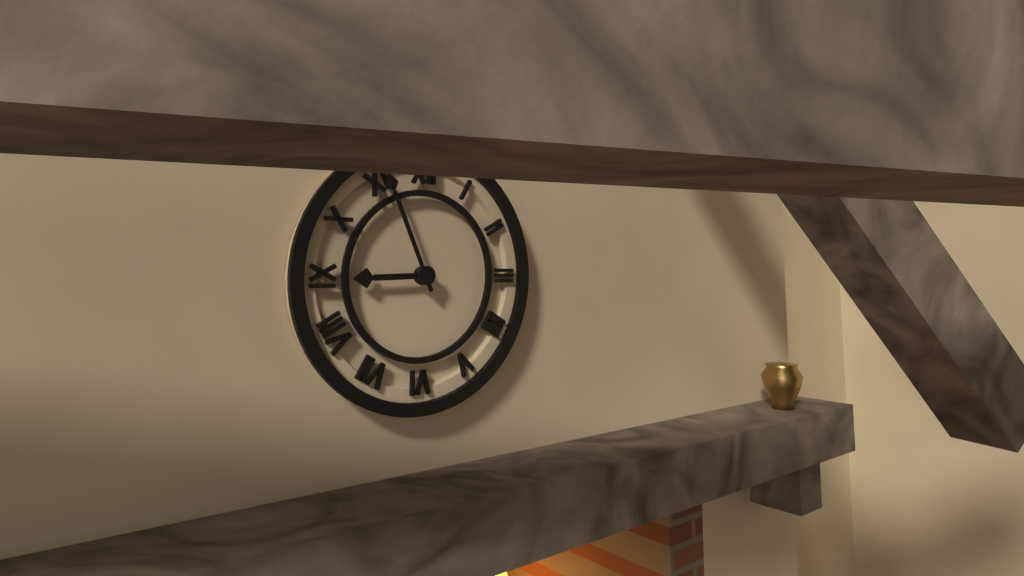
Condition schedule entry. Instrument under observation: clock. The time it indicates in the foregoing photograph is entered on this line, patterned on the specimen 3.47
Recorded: 8.56
